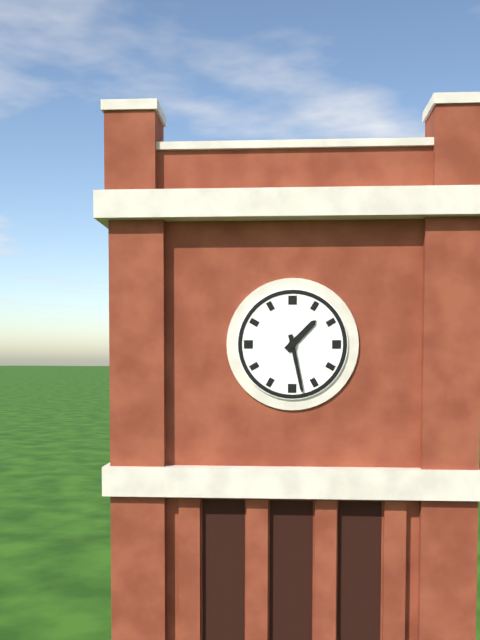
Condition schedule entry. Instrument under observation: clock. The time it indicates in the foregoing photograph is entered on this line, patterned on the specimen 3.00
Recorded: 1.28
